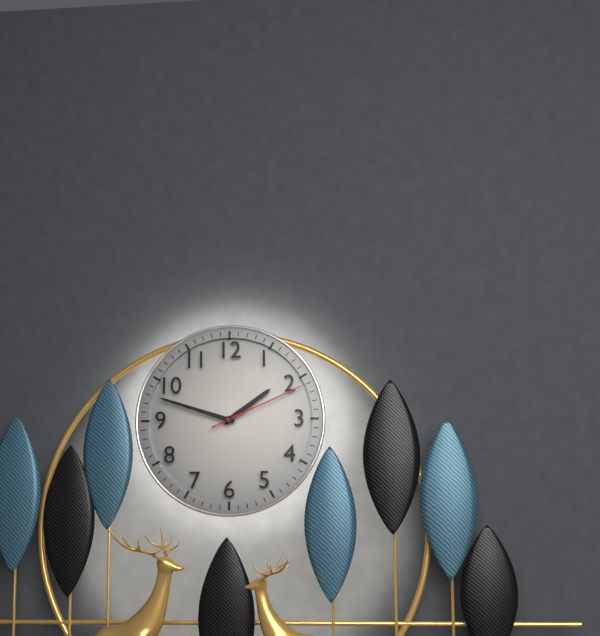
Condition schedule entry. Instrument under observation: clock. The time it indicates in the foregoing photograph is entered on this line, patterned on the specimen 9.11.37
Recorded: 1.48.11
